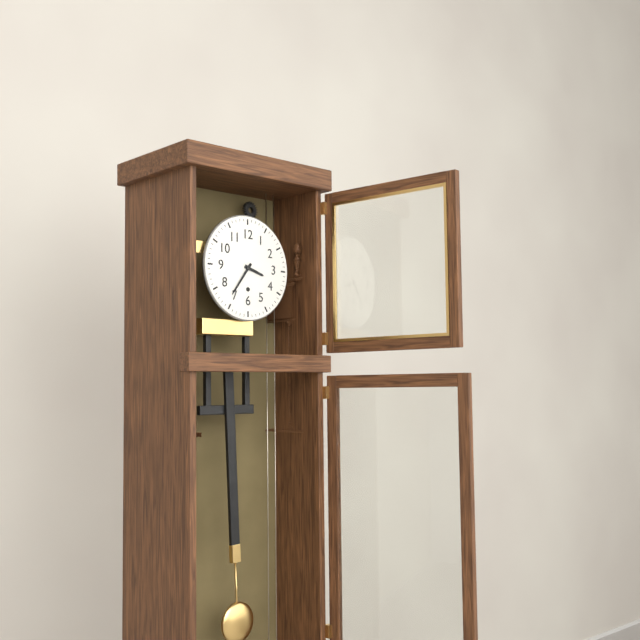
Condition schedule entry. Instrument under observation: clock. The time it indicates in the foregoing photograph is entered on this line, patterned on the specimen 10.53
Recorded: 3.36
